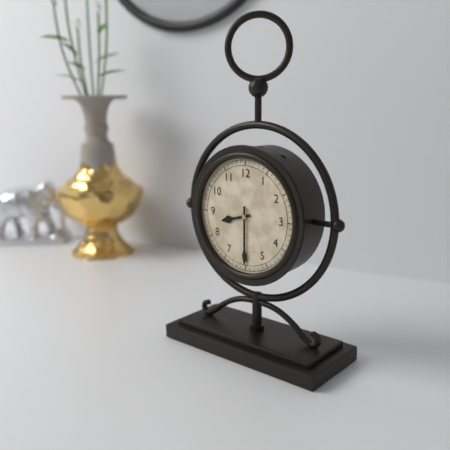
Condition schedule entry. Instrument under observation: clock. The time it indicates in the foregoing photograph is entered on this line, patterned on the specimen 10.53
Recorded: 8.30
